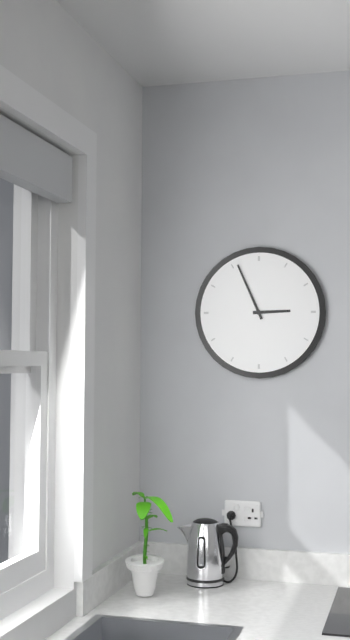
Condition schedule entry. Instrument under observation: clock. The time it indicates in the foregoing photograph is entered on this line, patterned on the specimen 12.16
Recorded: 2.56
